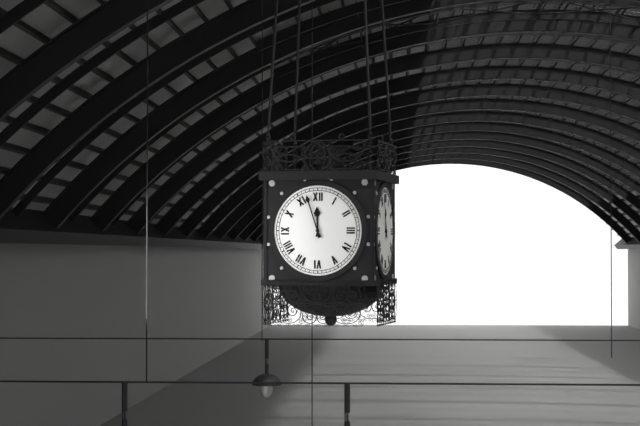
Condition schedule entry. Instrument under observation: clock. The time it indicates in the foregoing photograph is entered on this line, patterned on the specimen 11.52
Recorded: 11.57
